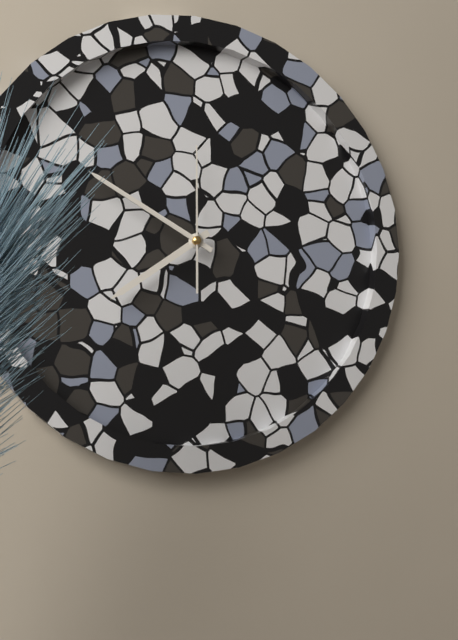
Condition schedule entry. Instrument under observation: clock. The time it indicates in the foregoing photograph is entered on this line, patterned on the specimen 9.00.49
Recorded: 7.50.00
